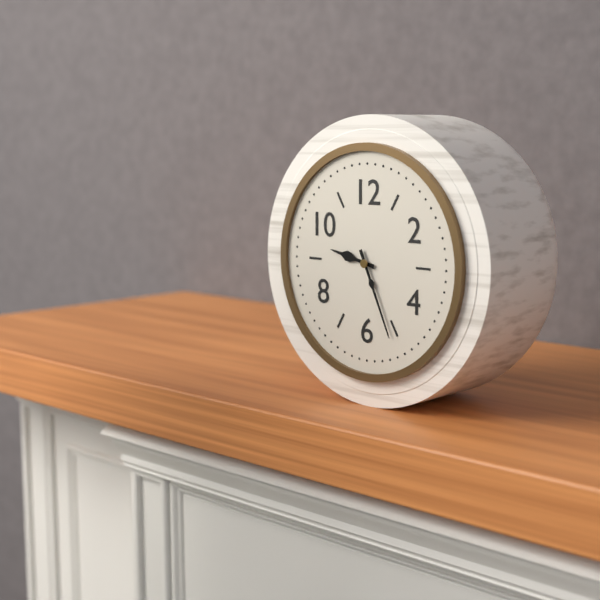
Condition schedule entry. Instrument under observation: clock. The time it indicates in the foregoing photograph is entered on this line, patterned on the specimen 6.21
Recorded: 9.26
